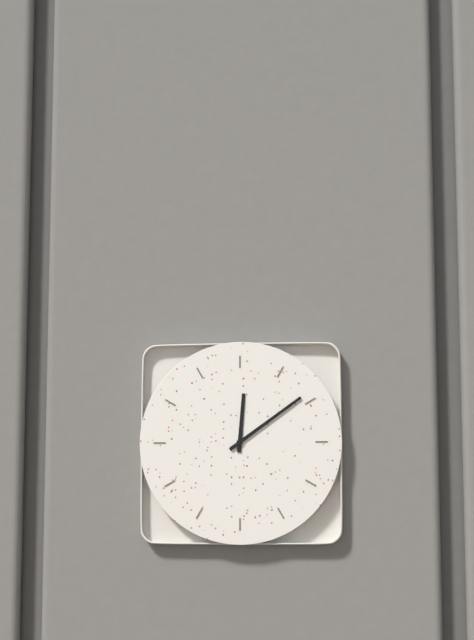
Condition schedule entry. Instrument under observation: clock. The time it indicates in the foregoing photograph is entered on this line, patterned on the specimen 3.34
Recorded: 12.09
